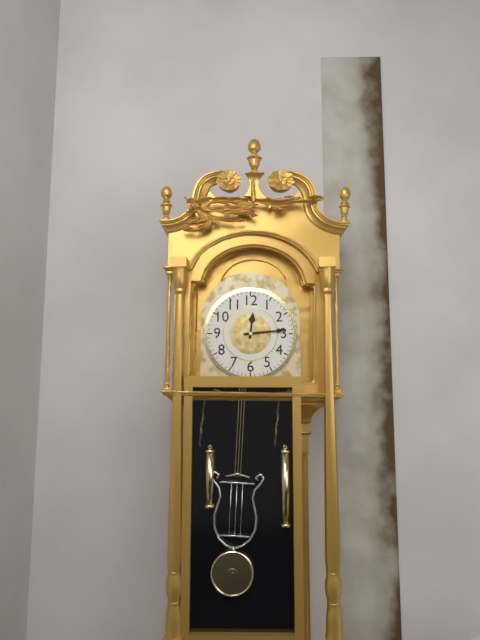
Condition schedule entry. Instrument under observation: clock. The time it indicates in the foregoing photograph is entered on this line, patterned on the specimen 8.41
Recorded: 12.14
